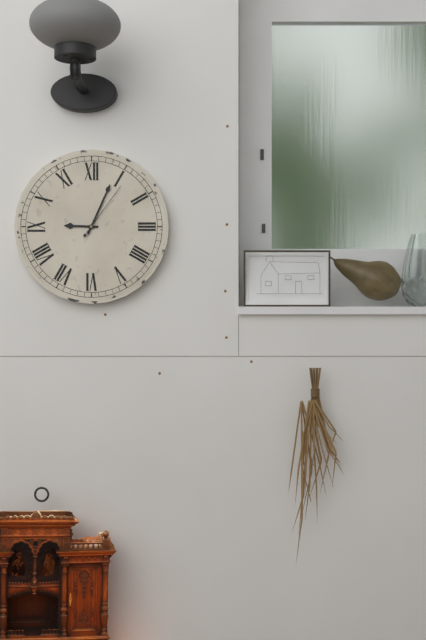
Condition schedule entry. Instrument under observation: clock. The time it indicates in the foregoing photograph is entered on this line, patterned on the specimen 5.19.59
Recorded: 9.04.06
